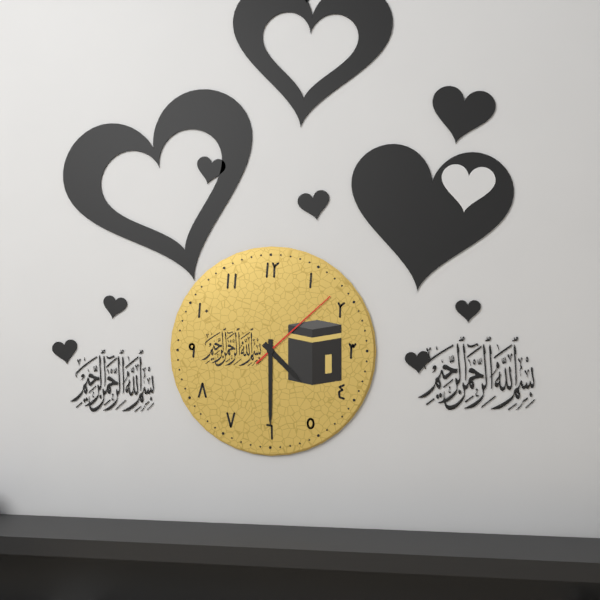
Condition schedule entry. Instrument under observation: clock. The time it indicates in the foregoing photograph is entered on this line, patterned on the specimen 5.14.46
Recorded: 4.30.08
